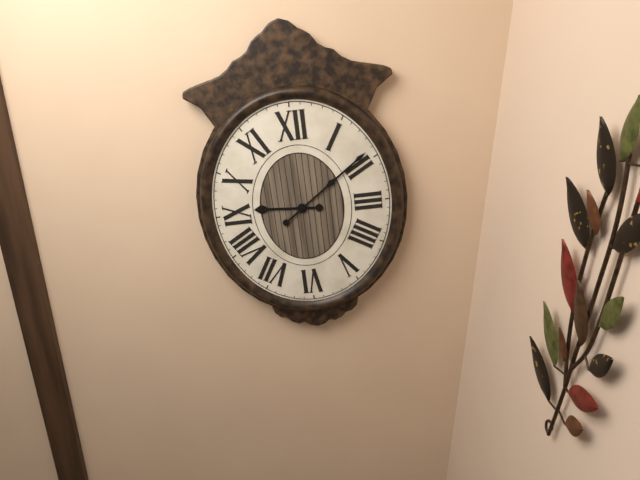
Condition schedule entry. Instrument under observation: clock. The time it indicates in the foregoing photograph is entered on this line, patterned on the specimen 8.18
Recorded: 9.09
